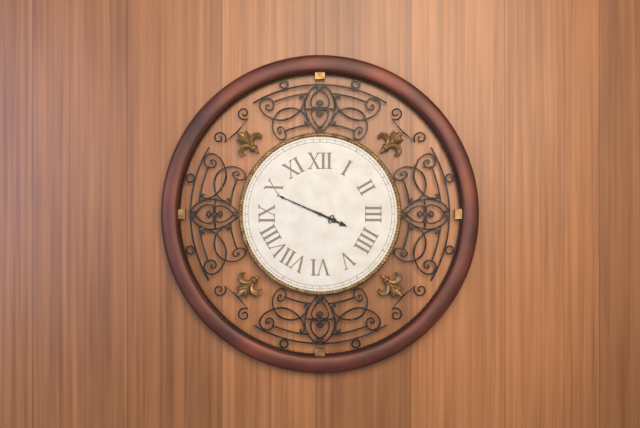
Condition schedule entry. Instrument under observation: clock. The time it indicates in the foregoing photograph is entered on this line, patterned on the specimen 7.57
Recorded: 3.49
